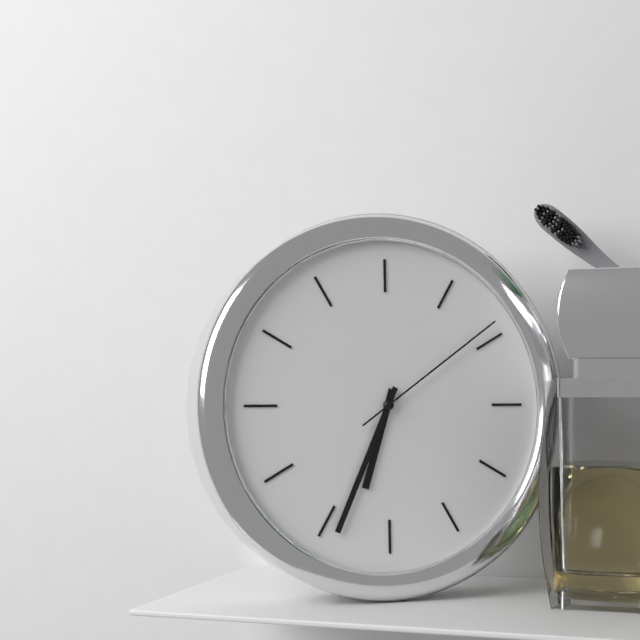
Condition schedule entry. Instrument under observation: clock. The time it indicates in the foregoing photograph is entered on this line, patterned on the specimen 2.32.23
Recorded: 6.34.09
